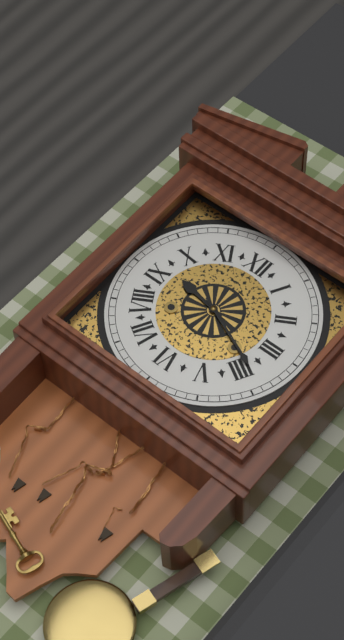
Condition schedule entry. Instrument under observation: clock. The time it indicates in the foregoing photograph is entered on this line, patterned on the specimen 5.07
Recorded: 9.19
